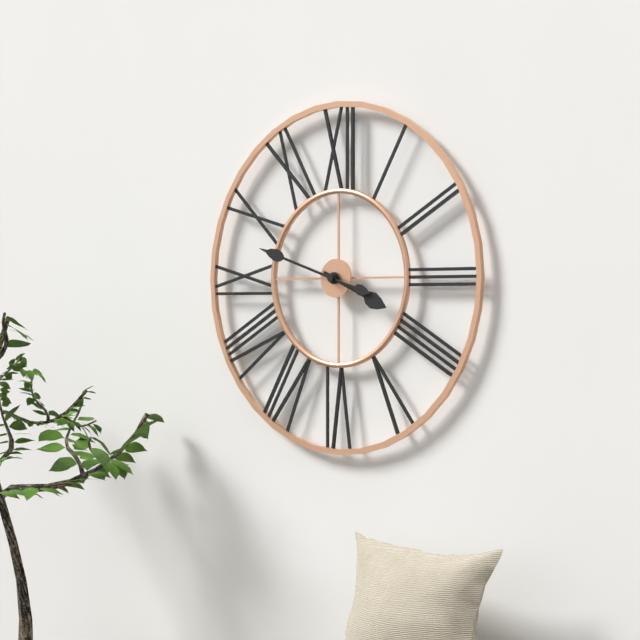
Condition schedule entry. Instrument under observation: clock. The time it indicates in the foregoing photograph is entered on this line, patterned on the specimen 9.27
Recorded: 3.48
